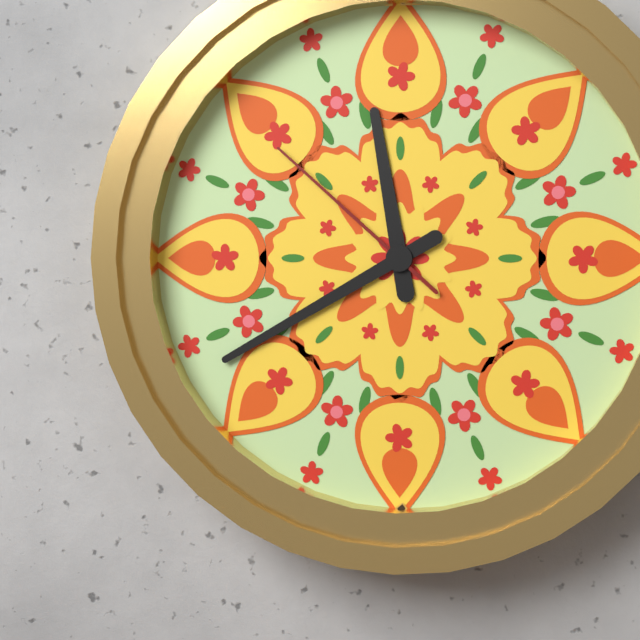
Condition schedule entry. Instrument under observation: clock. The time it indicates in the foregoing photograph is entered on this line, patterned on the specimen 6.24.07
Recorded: 11.40.52
